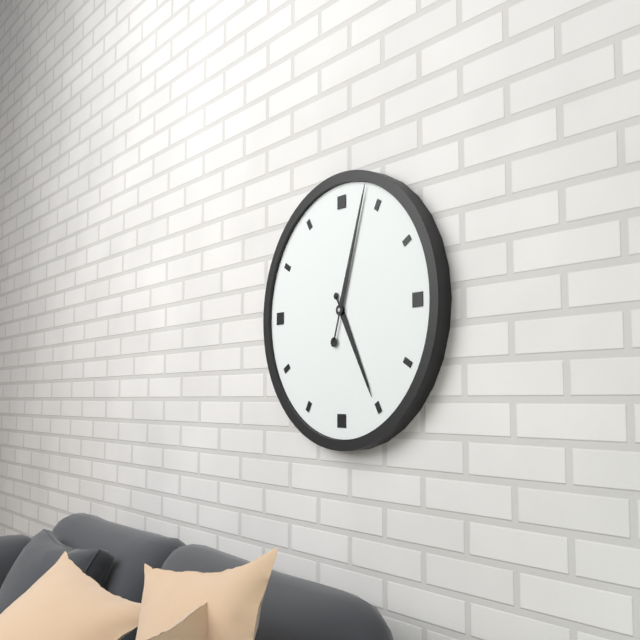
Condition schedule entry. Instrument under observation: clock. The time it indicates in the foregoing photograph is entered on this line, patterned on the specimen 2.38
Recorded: 5.03
